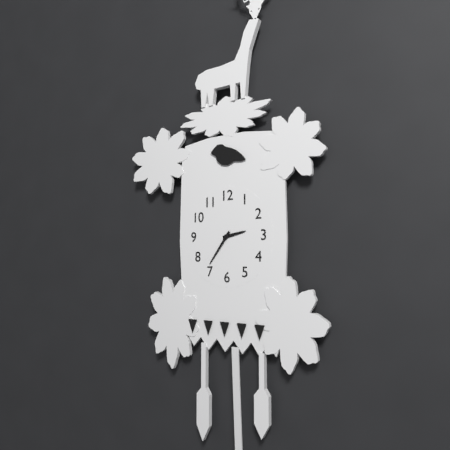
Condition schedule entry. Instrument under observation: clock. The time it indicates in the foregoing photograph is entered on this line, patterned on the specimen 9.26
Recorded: 2.36
